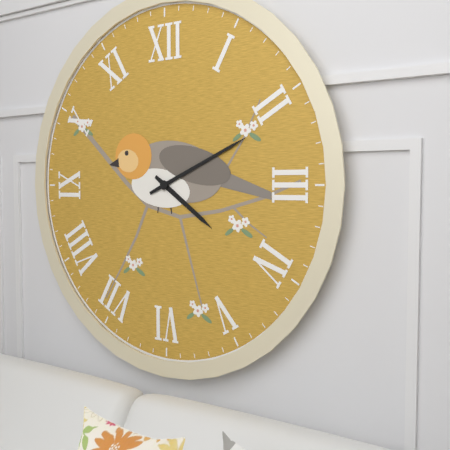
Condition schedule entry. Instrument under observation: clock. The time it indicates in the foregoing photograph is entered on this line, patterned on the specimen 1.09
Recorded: 4.11
